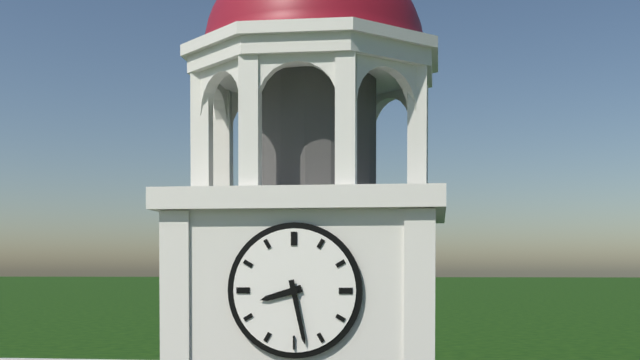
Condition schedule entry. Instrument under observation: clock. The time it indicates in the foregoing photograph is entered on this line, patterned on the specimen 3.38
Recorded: 8.28
